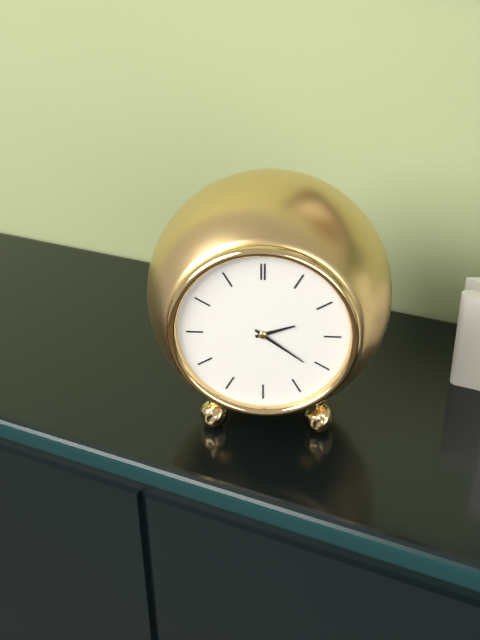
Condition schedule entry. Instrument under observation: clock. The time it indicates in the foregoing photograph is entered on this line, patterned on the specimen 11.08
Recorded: 2.21
